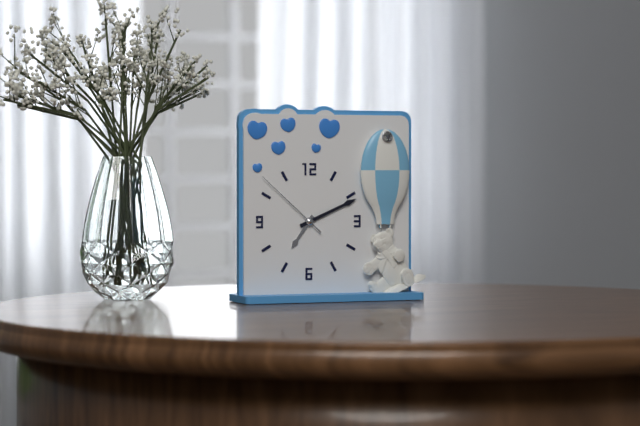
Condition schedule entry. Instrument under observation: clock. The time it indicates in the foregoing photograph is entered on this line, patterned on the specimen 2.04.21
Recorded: 7.11.52
